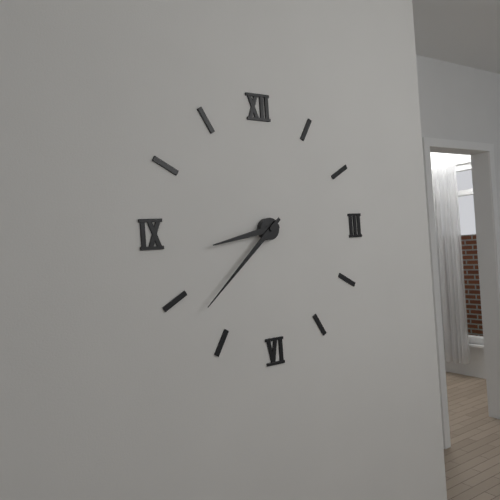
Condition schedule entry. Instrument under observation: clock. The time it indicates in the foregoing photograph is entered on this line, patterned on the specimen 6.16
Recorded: 8.38
